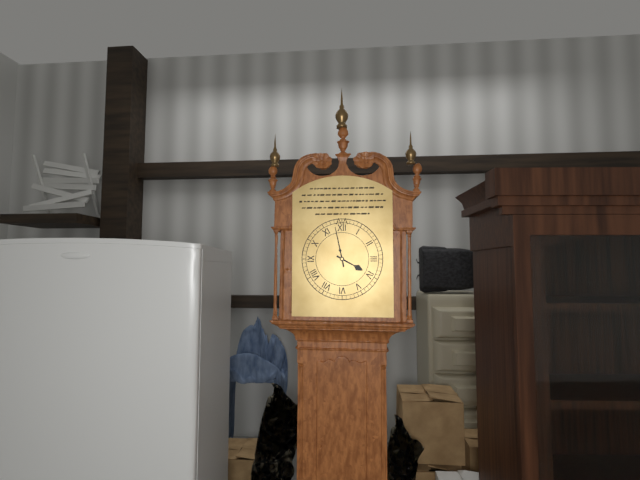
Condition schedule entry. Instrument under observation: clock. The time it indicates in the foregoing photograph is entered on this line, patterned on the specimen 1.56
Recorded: 3.58
